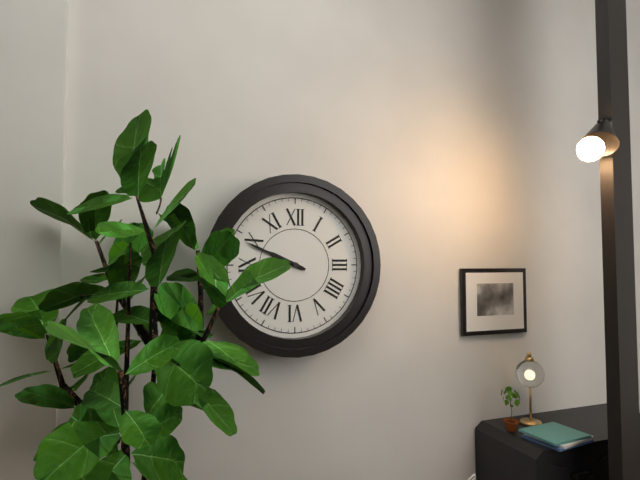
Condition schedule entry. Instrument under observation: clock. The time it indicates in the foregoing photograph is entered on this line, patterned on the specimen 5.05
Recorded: 9.49
